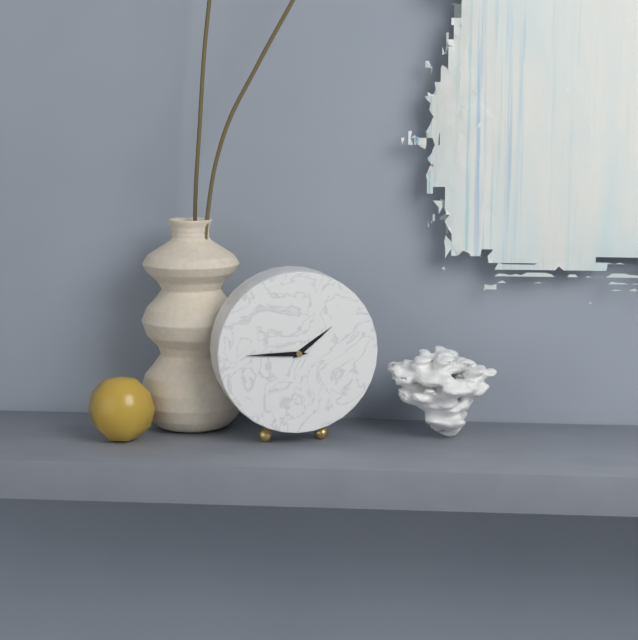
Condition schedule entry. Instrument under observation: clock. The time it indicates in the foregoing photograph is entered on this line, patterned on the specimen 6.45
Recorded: 1.45
